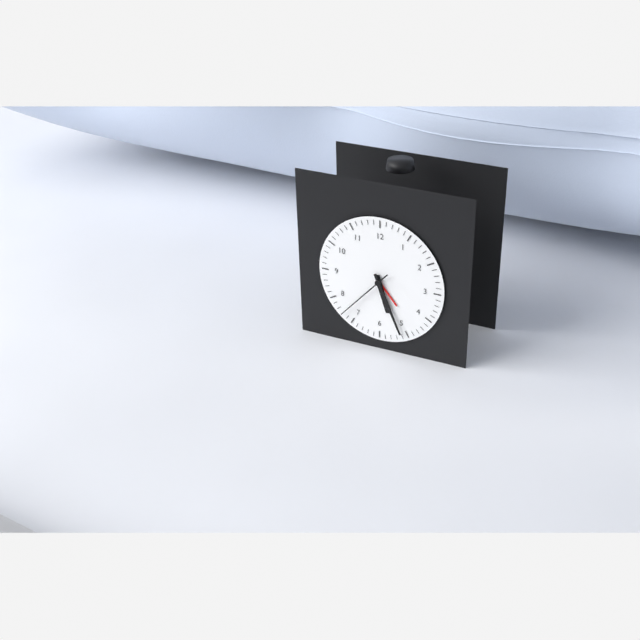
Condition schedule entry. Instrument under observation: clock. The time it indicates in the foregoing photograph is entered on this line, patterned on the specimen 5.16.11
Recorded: 5.26.37
